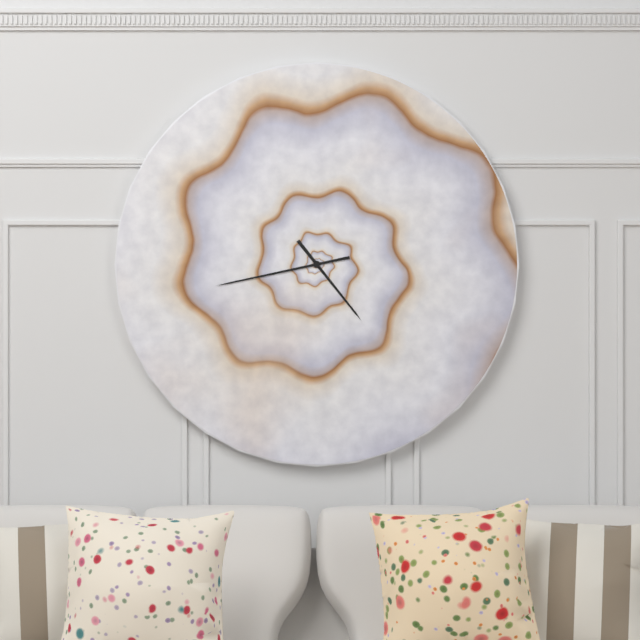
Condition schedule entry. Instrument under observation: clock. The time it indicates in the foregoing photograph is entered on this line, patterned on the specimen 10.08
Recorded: 4.43
